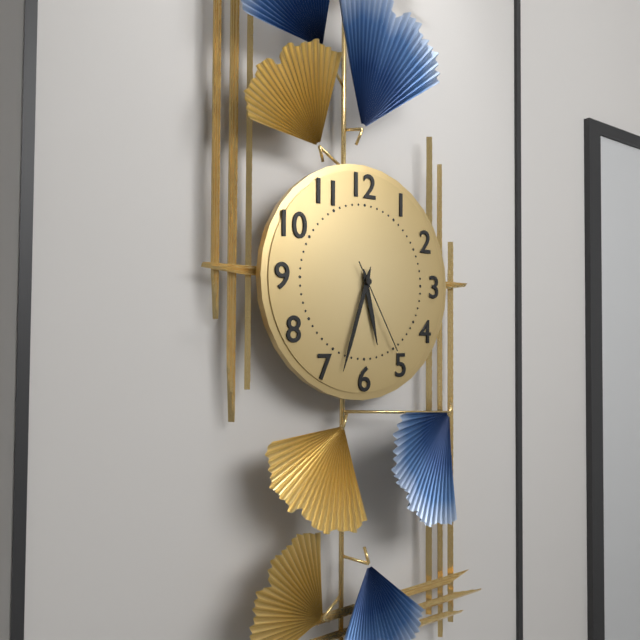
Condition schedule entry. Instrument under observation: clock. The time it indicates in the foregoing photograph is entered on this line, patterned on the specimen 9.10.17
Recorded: 5.33.25
